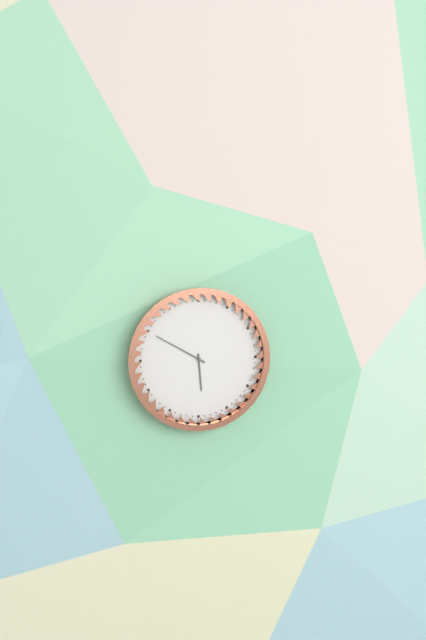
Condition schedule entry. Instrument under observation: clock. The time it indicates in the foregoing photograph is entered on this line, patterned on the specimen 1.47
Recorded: 5.50
